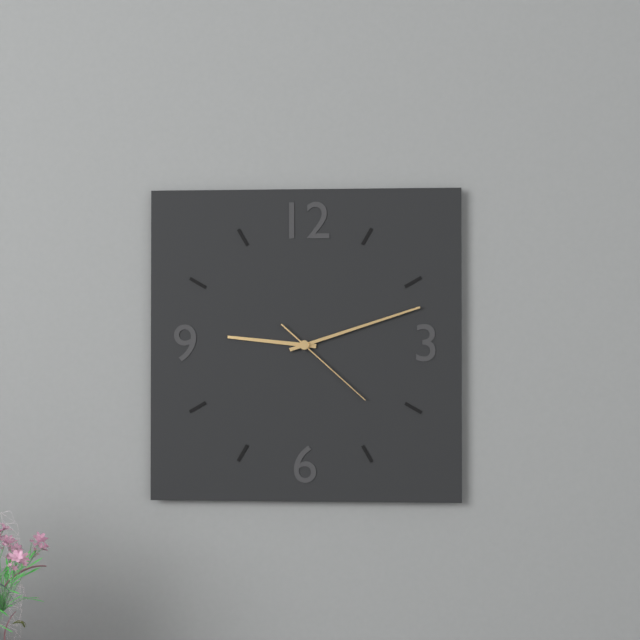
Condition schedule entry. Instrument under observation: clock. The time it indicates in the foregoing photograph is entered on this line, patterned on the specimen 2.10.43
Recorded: 9.12.22
